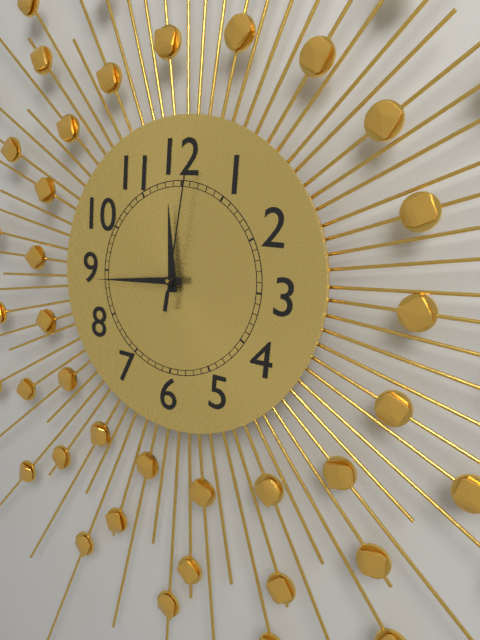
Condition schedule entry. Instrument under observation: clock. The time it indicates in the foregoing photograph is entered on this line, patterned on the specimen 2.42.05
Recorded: 11.44.01
